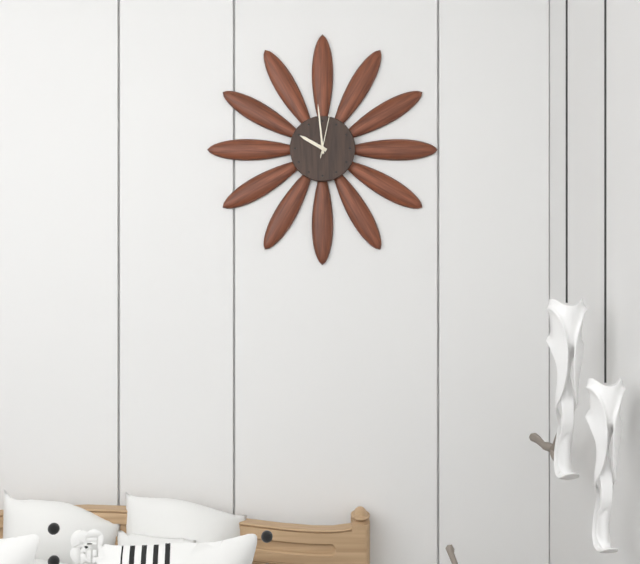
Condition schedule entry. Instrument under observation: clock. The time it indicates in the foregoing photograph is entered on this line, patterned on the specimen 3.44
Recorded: 9.59
